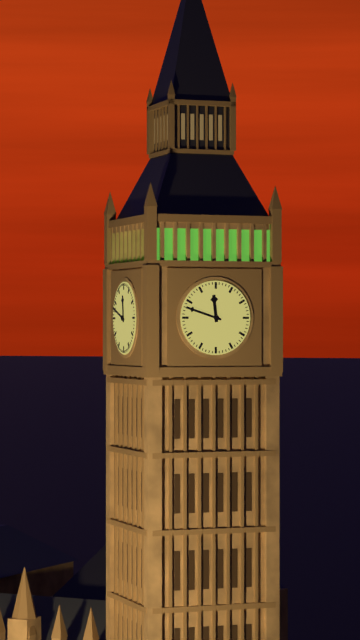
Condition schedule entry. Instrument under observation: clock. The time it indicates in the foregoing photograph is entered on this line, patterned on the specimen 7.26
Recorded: 11.48
